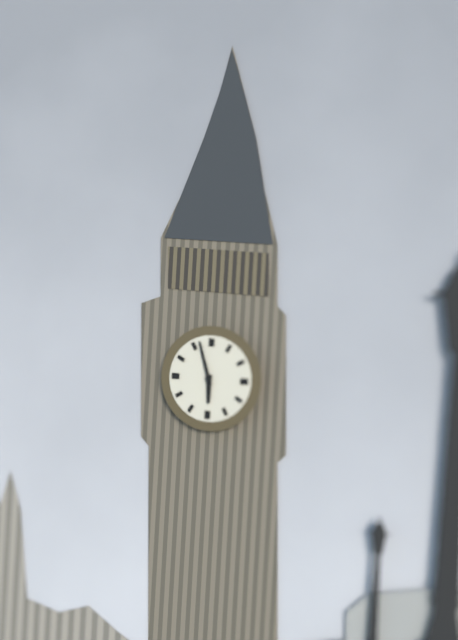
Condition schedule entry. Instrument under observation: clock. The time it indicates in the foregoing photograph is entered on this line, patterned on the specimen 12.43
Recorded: 5.57
